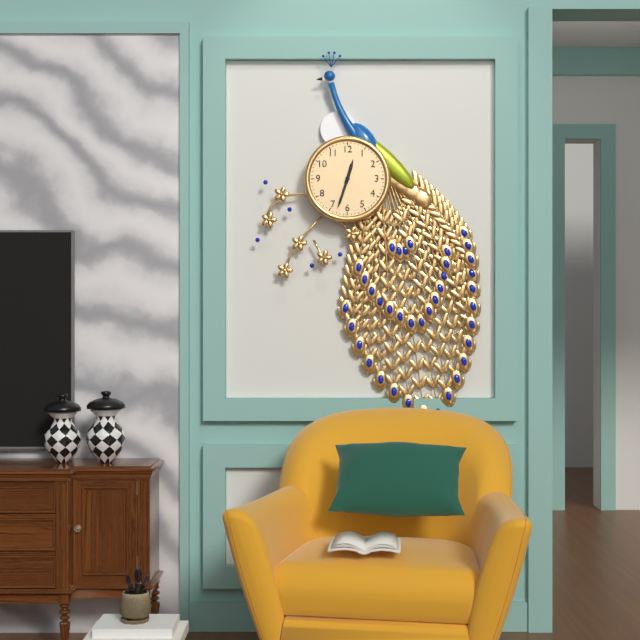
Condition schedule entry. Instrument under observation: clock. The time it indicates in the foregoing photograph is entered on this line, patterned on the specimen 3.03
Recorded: 12.33
